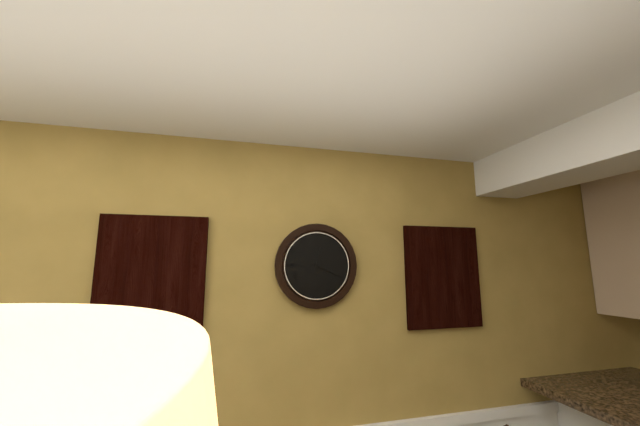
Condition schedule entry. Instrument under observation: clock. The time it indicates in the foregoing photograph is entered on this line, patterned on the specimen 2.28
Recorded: 12.19
